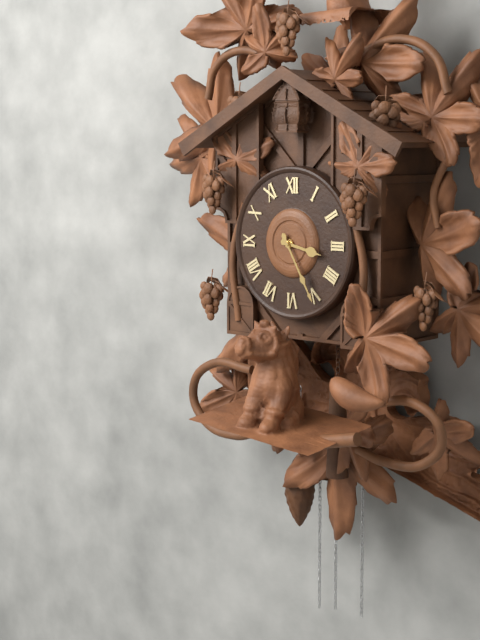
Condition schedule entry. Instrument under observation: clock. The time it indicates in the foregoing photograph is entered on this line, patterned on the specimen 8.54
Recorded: 3.25
